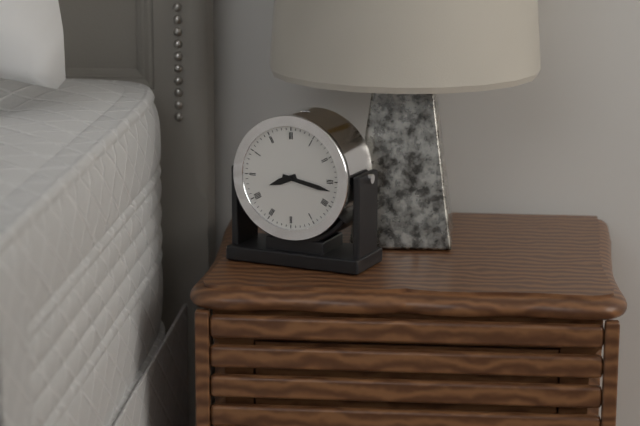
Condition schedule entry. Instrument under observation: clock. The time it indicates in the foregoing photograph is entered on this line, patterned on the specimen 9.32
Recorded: 8.17
